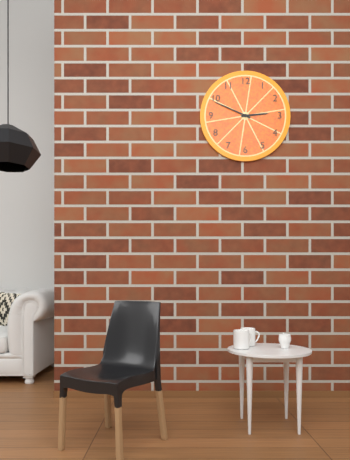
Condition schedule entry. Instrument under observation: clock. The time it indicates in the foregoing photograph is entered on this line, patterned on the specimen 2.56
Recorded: 2.49
